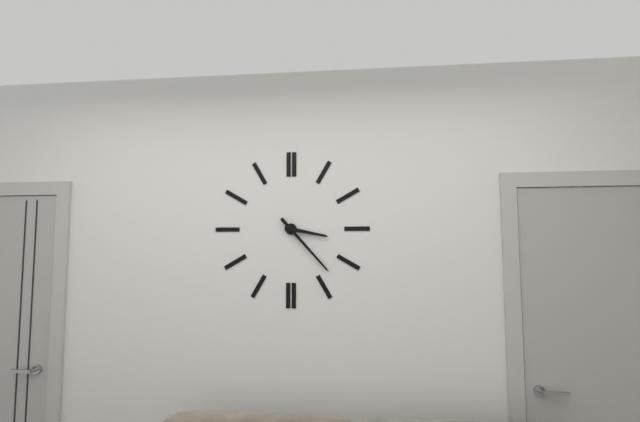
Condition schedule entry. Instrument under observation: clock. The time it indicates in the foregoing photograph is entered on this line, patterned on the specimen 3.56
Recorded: 3.23
